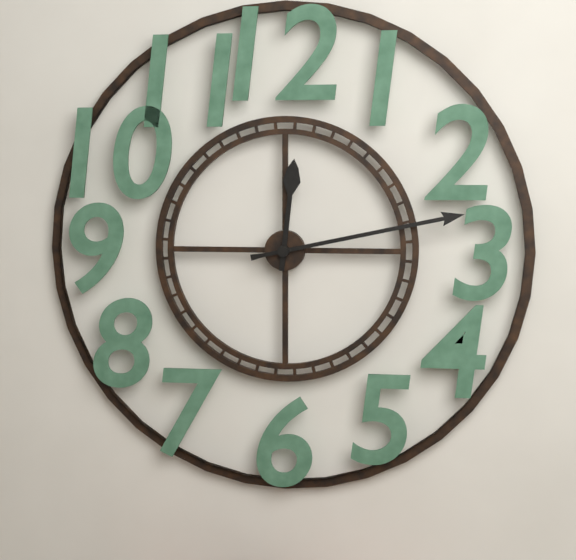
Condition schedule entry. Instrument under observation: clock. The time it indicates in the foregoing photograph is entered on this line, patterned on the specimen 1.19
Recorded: 12.13
